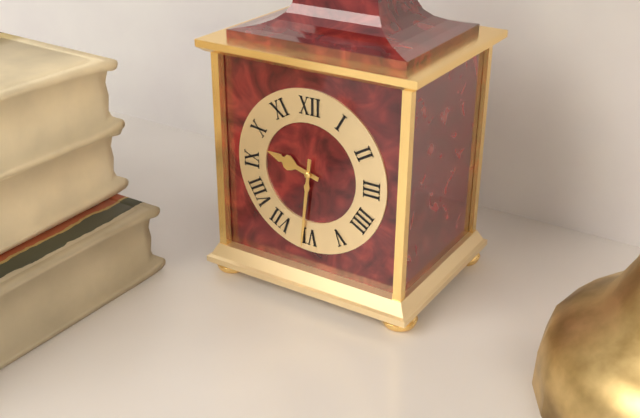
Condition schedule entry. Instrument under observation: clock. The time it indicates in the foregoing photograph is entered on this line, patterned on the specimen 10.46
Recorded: 9.31
